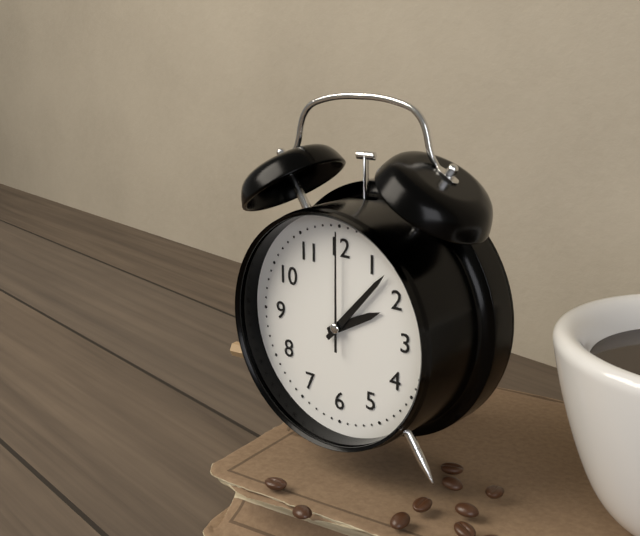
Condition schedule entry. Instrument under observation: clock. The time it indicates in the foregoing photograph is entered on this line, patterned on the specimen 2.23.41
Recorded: 2.07.00
